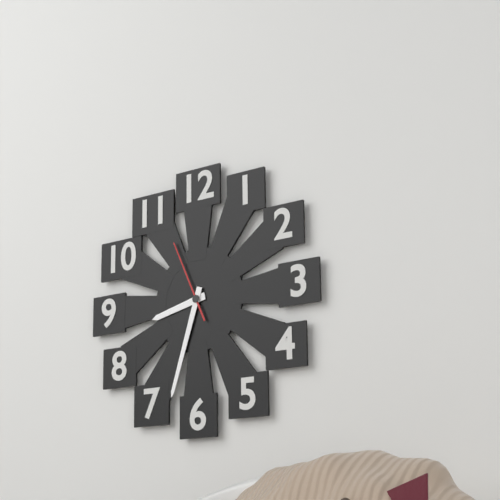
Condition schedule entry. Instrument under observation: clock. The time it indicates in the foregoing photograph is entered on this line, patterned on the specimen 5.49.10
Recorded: 8.33.56
